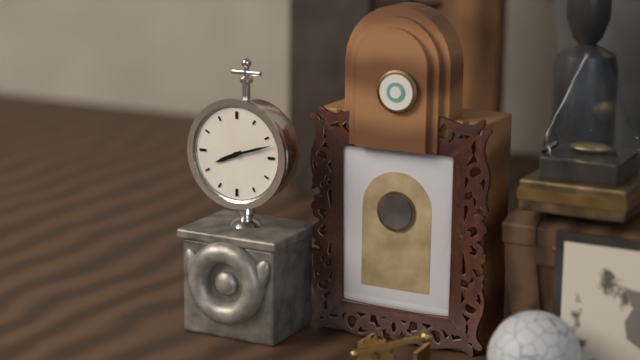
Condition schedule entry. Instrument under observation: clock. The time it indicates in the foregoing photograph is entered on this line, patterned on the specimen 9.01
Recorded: 8.12
